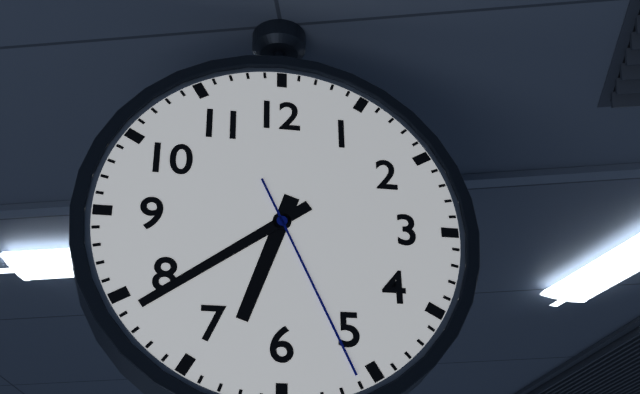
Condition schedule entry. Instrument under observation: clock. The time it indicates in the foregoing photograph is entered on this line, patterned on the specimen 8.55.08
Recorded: 6.39.26
